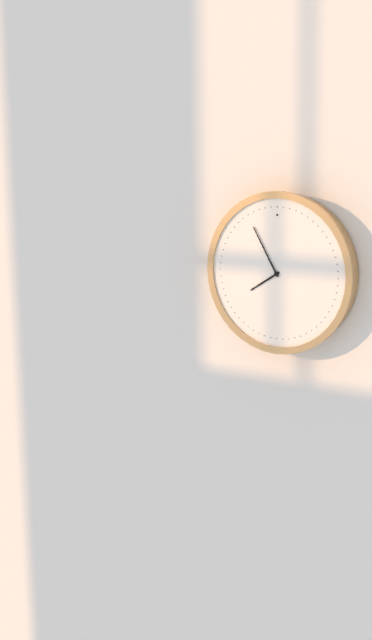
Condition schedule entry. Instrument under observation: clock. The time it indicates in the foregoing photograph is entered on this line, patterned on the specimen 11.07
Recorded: 7.55
